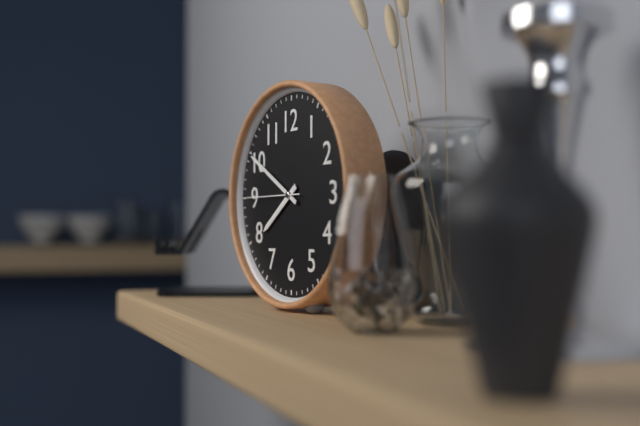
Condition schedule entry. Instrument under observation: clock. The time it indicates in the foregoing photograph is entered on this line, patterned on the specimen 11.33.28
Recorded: 7.50.45
